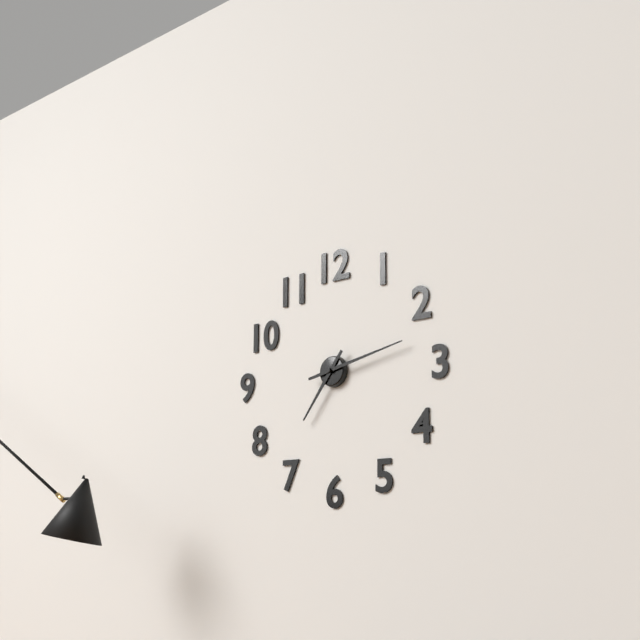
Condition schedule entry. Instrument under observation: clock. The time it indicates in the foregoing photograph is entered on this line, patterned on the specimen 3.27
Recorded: 7.13
